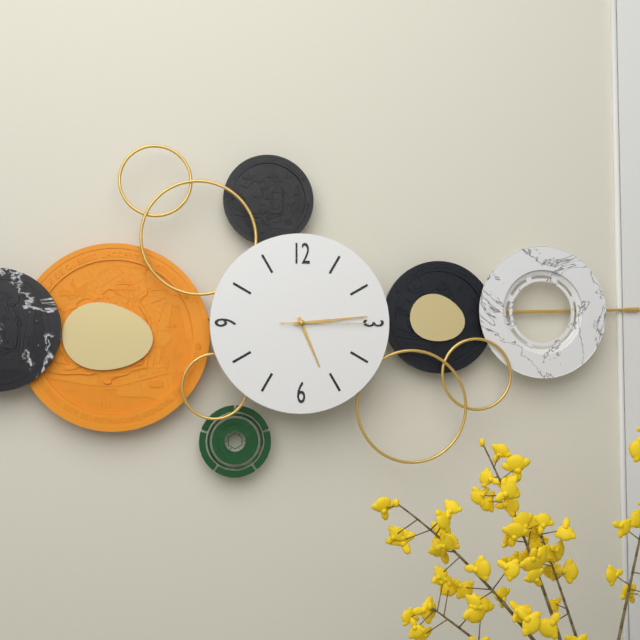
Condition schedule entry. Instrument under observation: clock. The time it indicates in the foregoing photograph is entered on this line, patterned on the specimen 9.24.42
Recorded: 5.14.15
